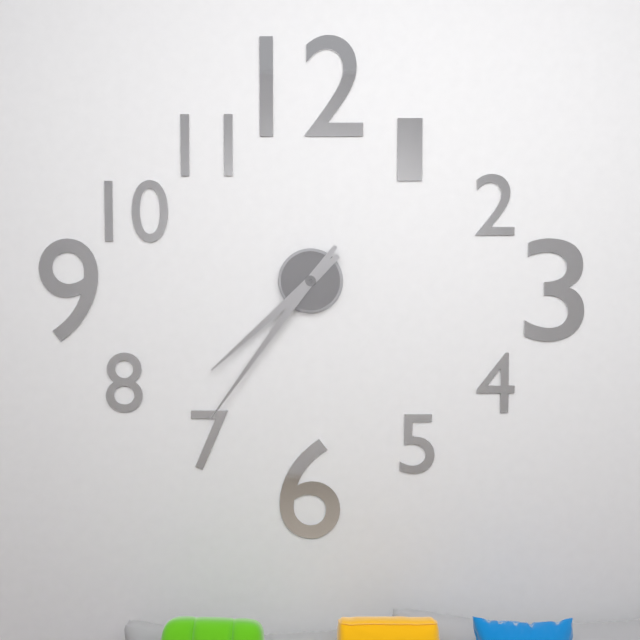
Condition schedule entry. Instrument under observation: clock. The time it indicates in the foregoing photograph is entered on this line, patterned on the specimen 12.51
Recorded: 7.36
